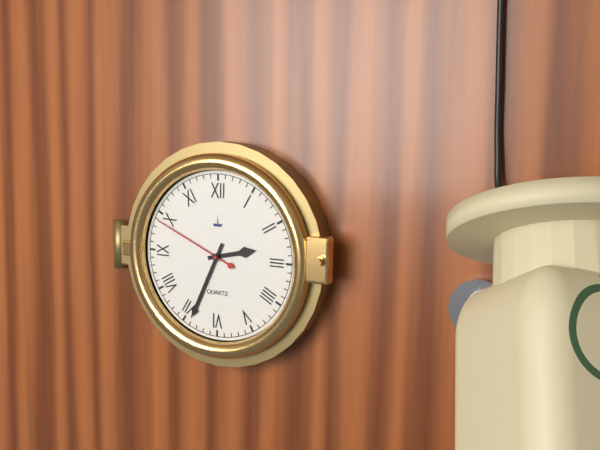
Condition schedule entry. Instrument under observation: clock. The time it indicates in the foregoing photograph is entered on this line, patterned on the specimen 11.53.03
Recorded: 2.34.49
